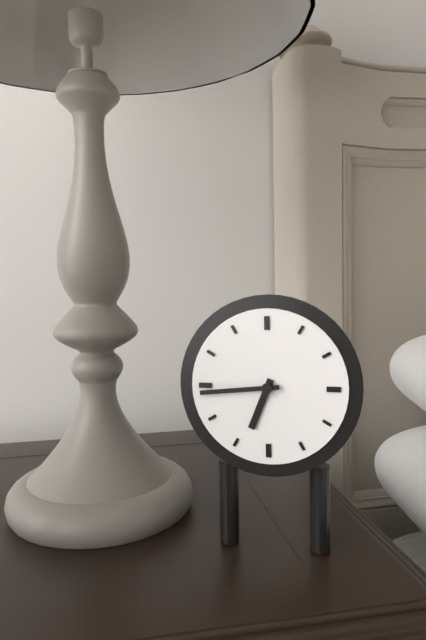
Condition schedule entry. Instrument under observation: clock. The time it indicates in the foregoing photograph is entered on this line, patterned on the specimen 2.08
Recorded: 6.44
